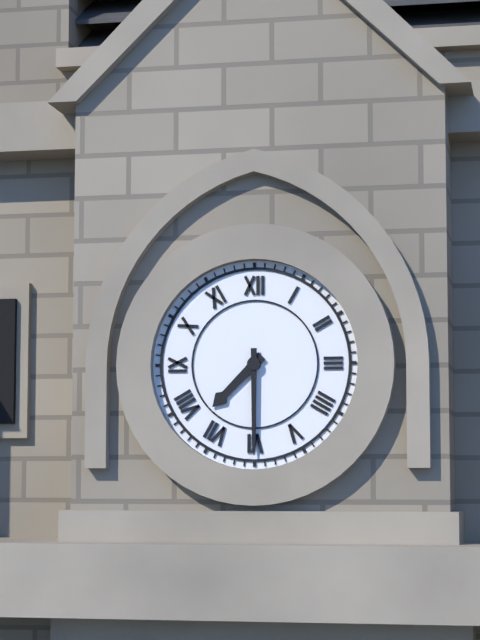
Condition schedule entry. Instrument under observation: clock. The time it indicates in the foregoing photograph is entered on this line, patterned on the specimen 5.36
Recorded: 7.30
